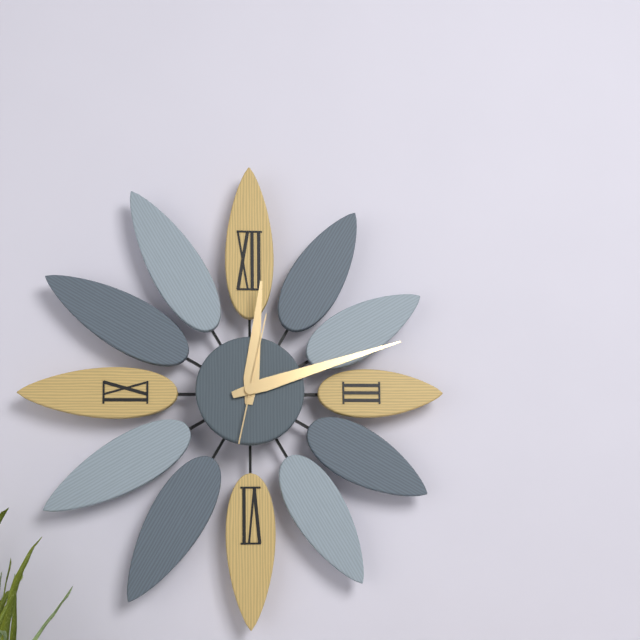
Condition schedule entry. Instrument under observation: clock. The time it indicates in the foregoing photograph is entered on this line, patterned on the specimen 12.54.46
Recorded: 12.12.02
